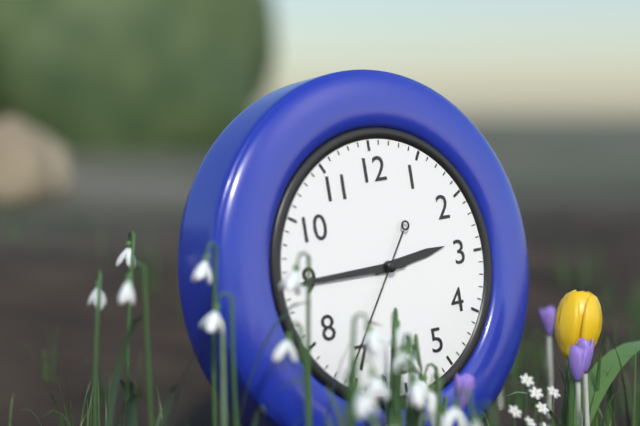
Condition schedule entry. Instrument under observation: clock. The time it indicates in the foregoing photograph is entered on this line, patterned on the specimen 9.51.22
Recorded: 2.45.36
